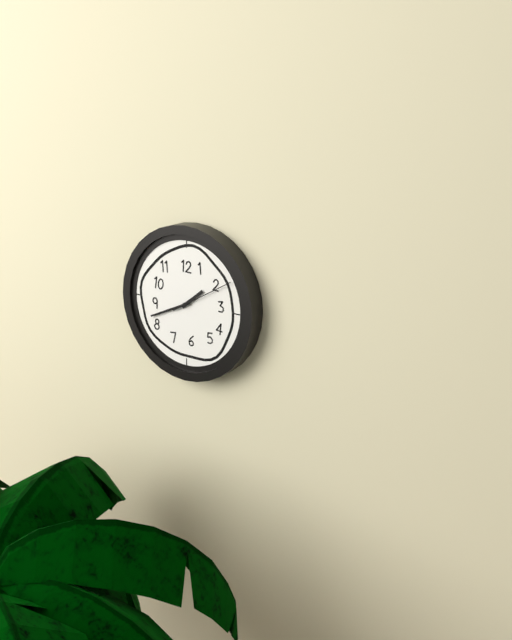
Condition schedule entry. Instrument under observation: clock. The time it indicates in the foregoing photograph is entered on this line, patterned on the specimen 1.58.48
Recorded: 1.41.10
